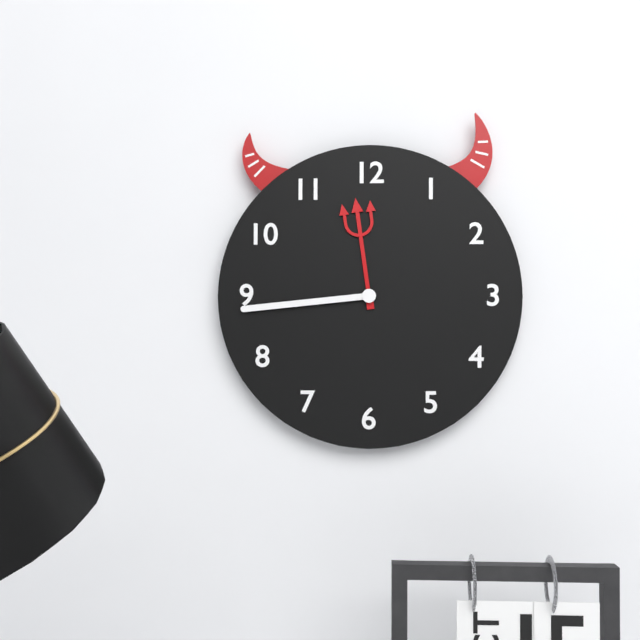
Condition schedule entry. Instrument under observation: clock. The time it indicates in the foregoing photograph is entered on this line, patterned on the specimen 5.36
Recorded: 11.44
